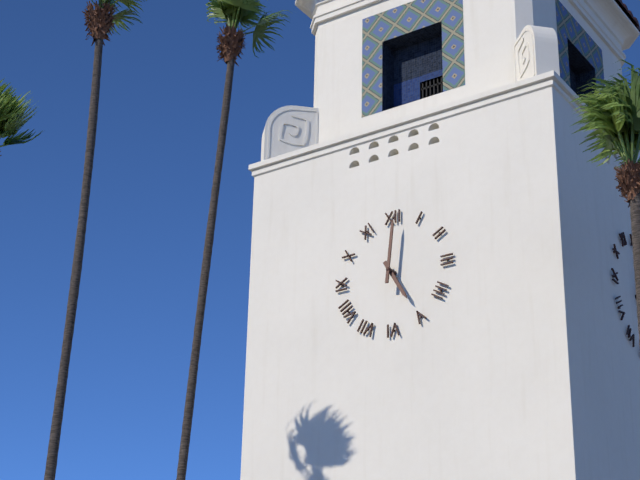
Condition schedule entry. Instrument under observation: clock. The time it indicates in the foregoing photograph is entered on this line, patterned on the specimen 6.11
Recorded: 5.01
